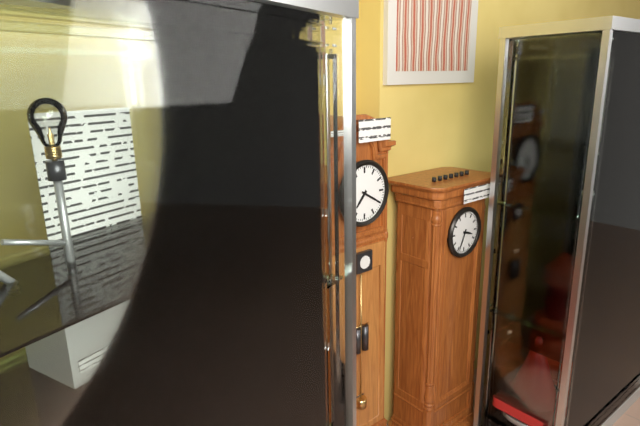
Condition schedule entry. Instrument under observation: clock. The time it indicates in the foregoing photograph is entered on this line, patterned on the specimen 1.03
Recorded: 7.20
